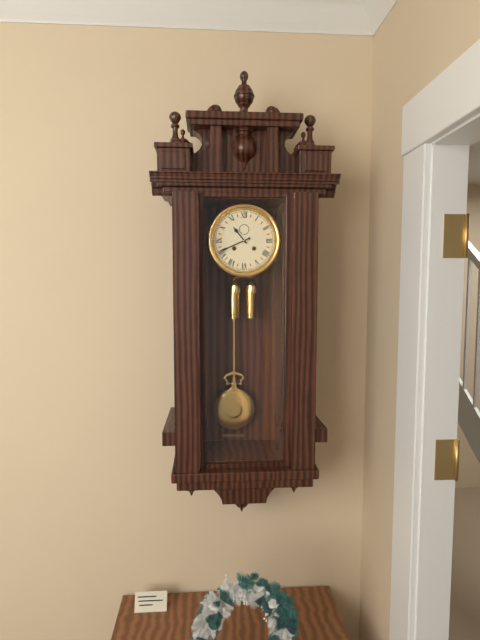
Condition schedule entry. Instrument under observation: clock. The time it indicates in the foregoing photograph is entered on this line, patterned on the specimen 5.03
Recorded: 10.41
